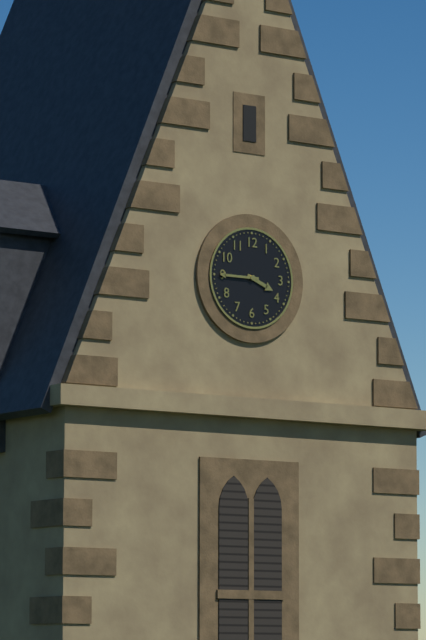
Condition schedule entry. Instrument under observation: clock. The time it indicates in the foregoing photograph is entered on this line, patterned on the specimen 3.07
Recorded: 3.45
